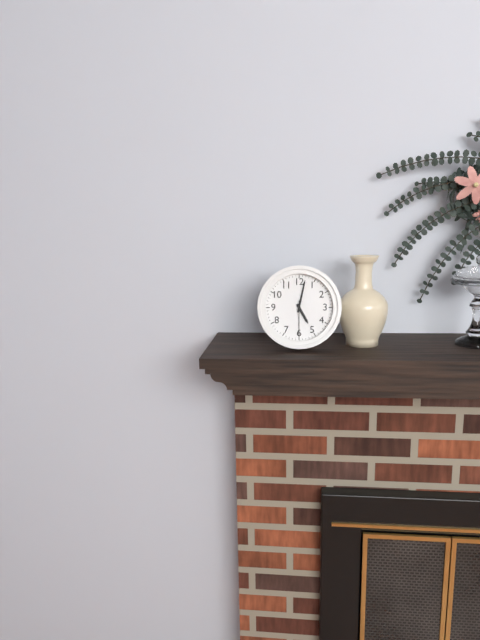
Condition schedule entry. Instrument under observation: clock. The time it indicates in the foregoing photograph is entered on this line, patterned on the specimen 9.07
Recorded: 5.02
